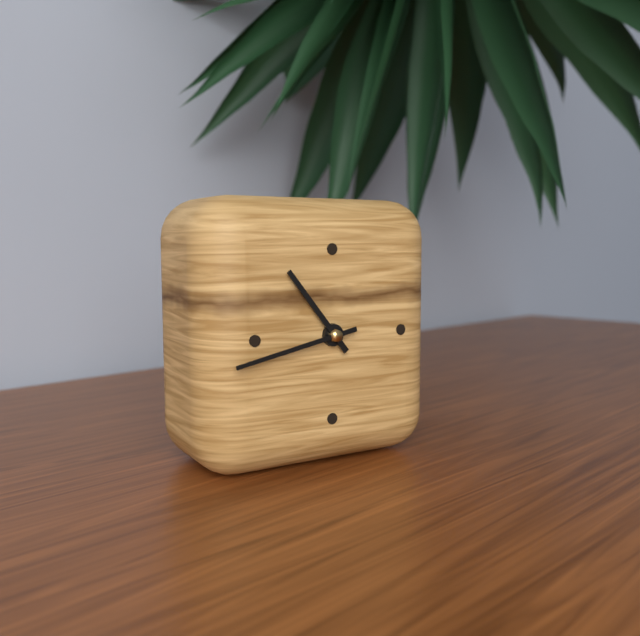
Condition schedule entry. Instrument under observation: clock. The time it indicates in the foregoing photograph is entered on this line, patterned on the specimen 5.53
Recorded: 10.43
